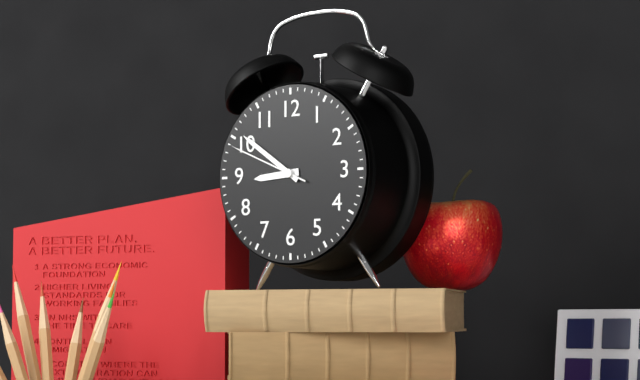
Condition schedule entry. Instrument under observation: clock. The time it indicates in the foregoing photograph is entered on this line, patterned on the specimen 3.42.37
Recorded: 8.51.49
